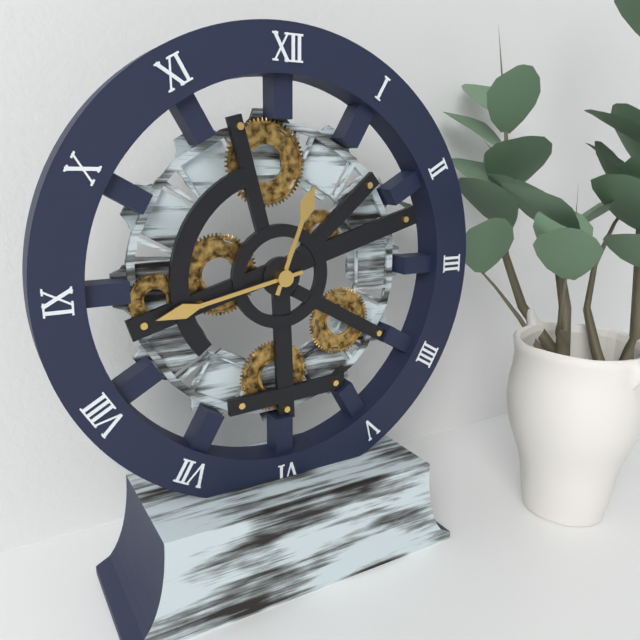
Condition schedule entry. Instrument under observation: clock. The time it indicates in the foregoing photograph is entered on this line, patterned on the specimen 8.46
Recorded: 12.43
